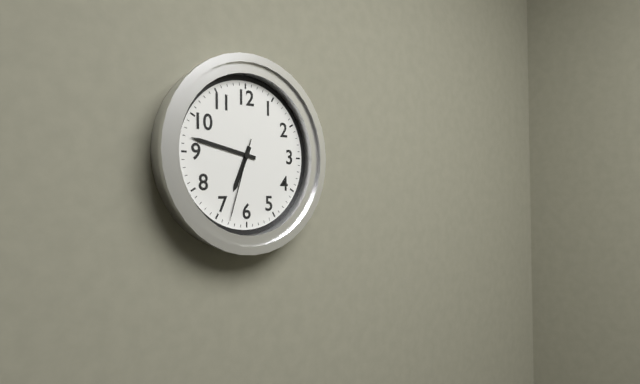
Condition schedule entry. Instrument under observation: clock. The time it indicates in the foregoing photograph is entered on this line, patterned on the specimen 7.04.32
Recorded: 6.47.33
